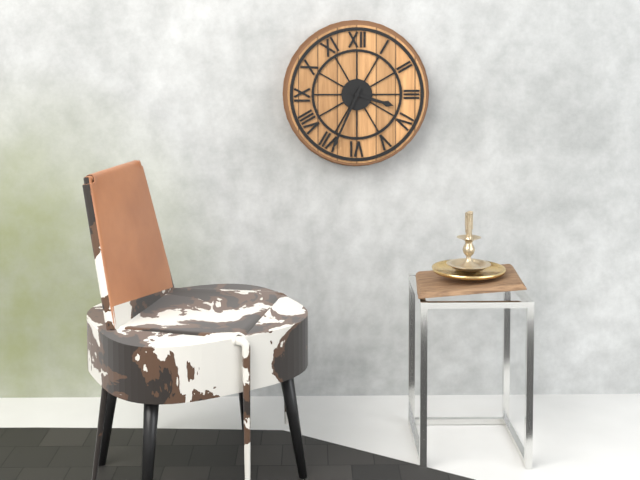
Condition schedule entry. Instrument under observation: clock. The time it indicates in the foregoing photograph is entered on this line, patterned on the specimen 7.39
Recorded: 3.34
